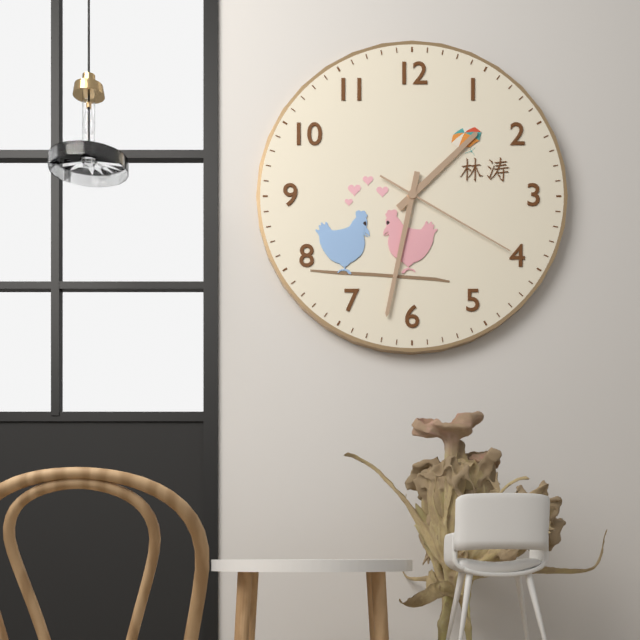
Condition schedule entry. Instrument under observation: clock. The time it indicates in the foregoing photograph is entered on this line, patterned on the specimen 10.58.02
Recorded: 1.32.20
